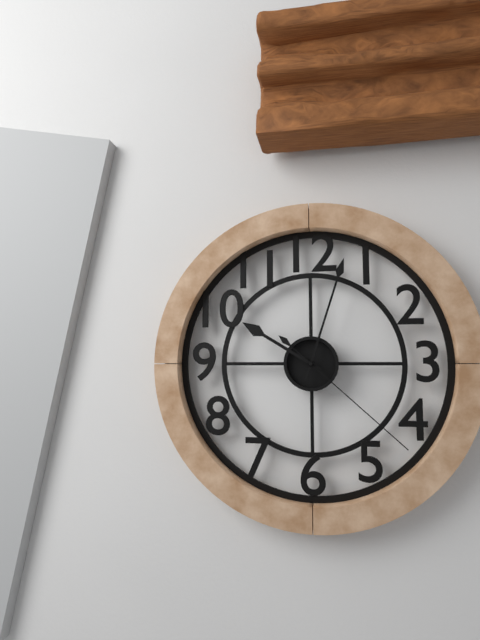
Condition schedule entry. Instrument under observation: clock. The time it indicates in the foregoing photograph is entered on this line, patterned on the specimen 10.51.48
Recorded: 10.03.22
